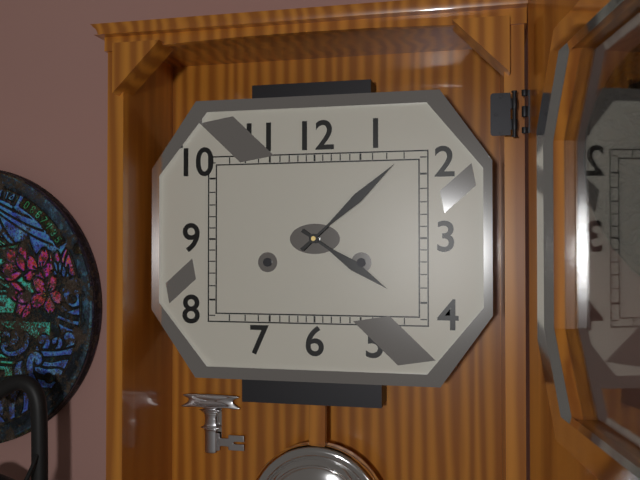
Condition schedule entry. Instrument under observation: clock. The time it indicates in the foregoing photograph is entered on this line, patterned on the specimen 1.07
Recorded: 4.08
